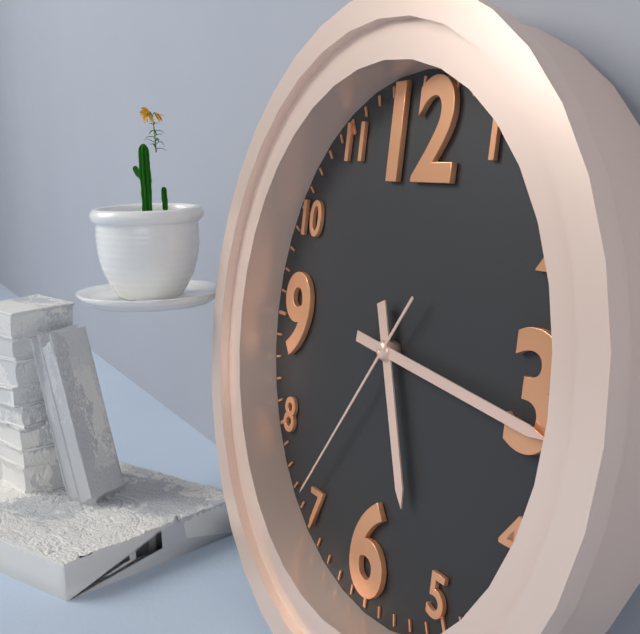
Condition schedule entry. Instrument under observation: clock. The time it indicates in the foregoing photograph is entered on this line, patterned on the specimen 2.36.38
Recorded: 5.16.36
